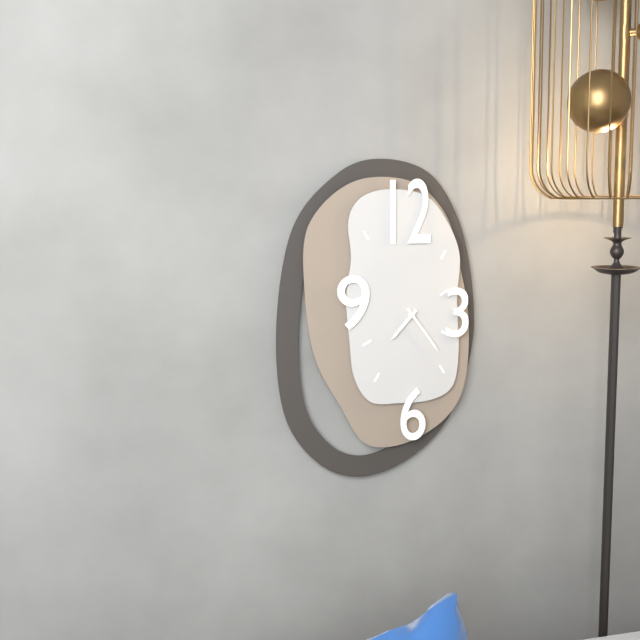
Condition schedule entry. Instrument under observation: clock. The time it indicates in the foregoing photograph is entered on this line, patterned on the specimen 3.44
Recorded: 7.24
